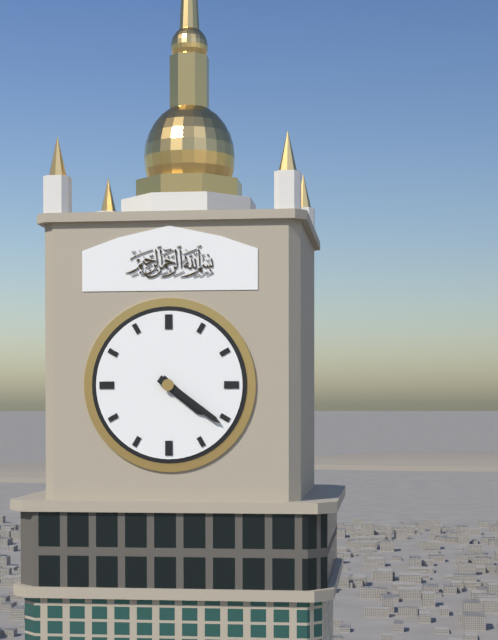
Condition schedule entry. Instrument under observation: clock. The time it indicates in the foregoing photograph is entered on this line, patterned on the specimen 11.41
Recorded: 4.21
